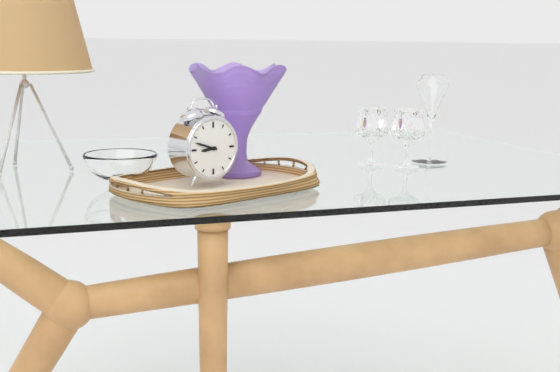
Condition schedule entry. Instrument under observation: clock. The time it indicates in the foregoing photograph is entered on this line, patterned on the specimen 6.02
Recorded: 8.48
